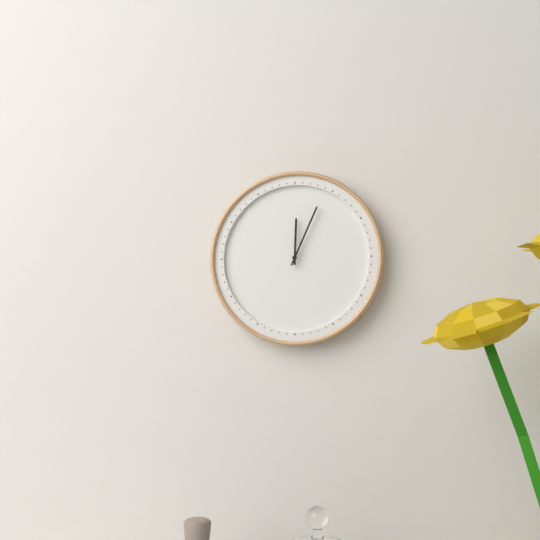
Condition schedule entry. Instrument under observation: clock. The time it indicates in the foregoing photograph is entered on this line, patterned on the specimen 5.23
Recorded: 12.04
